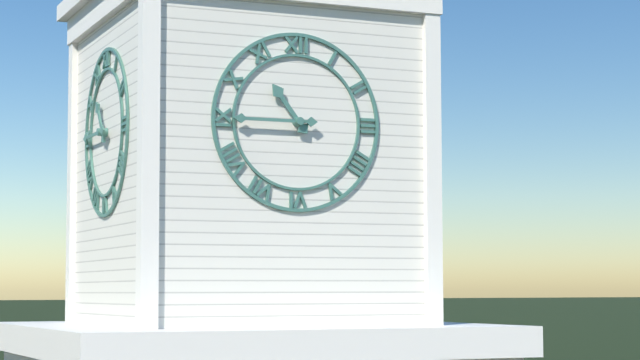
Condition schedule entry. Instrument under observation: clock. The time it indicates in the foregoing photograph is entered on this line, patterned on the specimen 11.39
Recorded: 10.45
